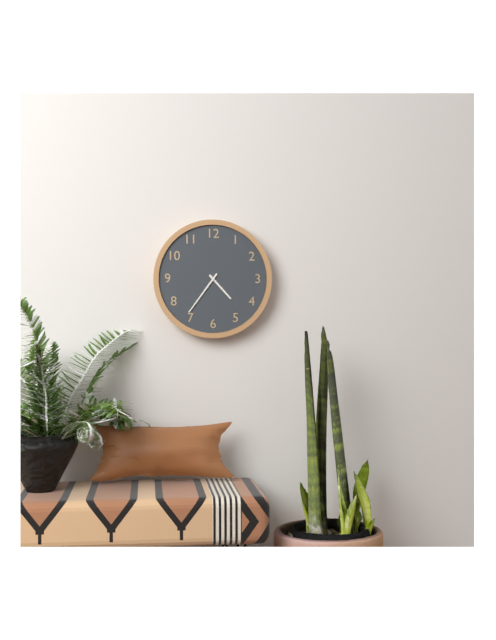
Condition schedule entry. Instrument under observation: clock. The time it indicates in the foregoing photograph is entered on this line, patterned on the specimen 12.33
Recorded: 4.36
